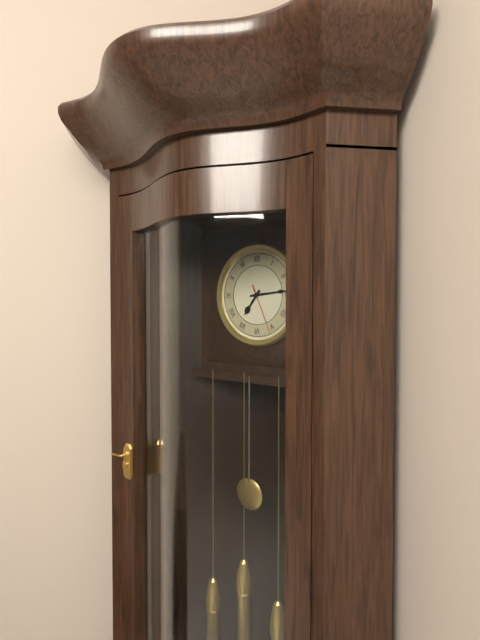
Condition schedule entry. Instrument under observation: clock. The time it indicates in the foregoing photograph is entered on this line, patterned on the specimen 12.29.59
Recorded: 7.14.26
